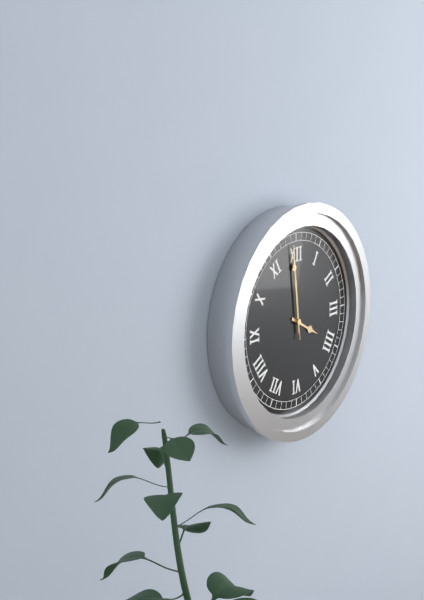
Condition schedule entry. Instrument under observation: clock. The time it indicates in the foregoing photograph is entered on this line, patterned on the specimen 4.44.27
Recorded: 3.59.59
